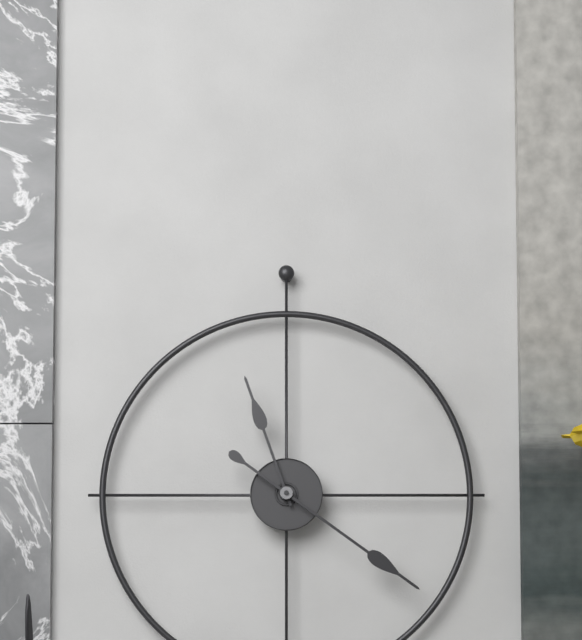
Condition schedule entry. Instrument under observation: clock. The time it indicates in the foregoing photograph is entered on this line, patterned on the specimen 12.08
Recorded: 11.21
